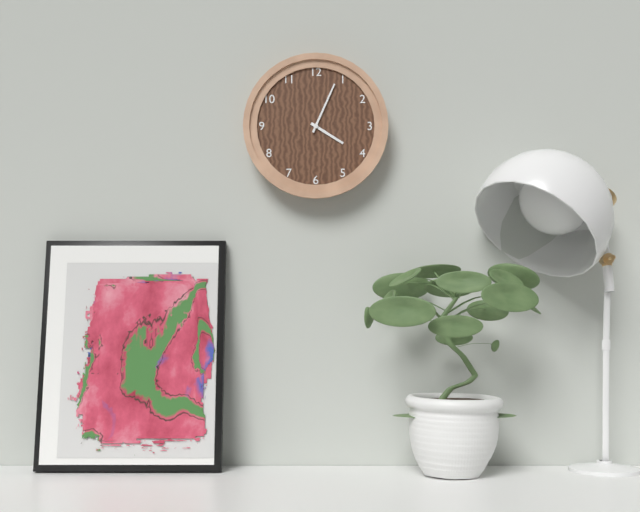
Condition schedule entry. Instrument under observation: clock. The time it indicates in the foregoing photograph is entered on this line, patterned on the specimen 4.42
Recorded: 4.04
